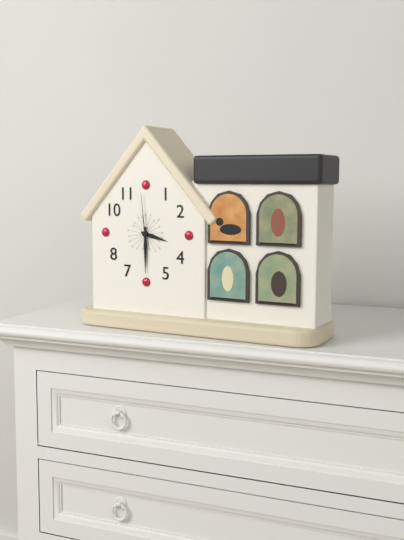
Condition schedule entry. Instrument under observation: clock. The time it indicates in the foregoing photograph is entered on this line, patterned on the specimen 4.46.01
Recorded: 3.30.59
